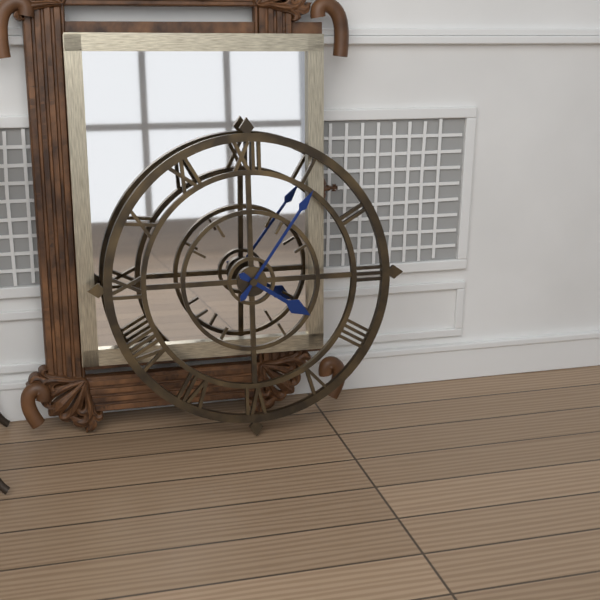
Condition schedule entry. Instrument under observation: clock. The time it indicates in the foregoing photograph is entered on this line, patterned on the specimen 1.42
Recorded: 4.06
